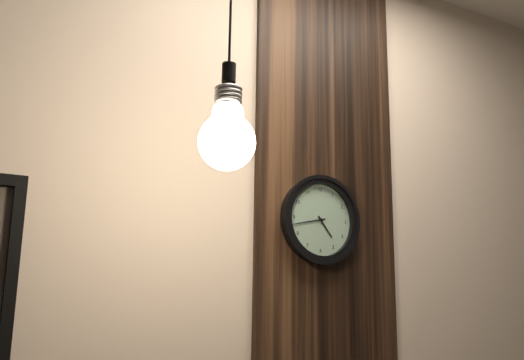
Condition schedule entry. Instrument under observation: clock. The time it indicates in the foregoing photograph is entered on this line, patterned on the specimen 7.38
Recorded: 4.43
